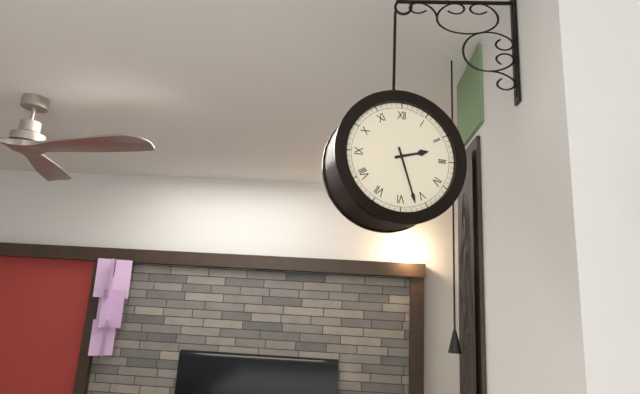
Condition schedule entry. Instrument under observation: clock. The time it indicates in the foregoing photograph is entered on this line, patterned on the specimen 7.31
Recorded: 2.27
